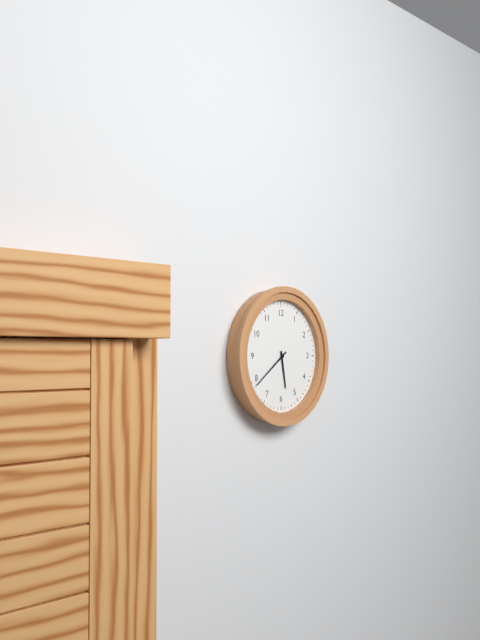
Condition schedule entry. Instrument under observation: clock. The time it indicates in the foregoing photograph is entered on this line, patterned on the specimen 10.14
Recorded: 5.39
